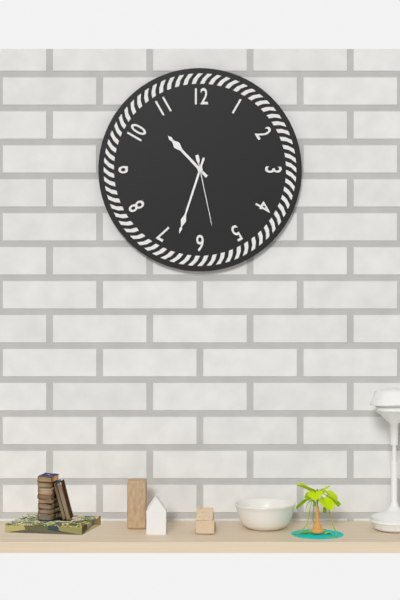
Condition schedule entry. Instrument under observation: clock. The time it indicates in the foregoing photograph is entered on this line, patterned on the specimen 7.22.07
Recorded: 10.33.28
